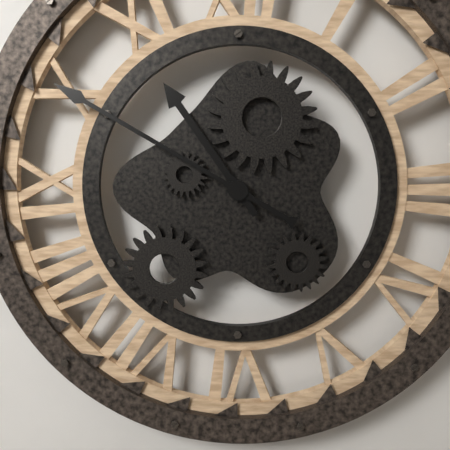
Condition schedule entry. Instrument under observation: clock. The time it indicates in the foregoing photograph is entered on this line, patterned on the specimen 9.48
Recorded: 10.50
